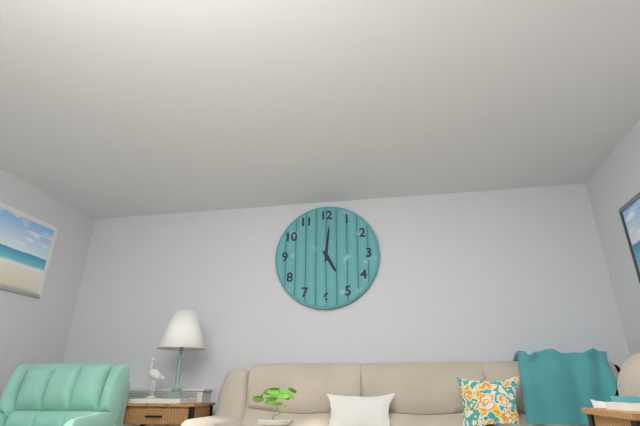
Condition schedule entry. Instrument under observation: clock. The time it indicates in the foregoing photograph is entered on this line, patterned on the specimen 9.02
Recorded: 5.01
